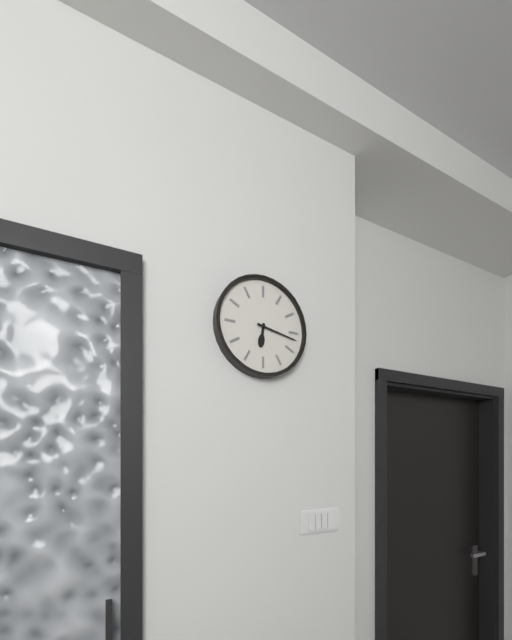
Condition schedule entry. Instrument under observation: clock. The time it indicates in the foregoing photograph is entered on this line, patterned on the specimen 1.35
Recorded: 6.17
